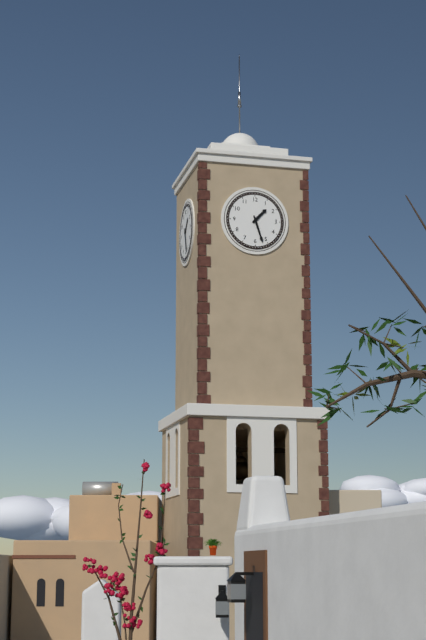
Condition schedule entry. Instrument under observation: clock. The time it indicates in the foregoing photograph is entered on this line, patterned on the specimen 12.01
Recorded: 1.27
